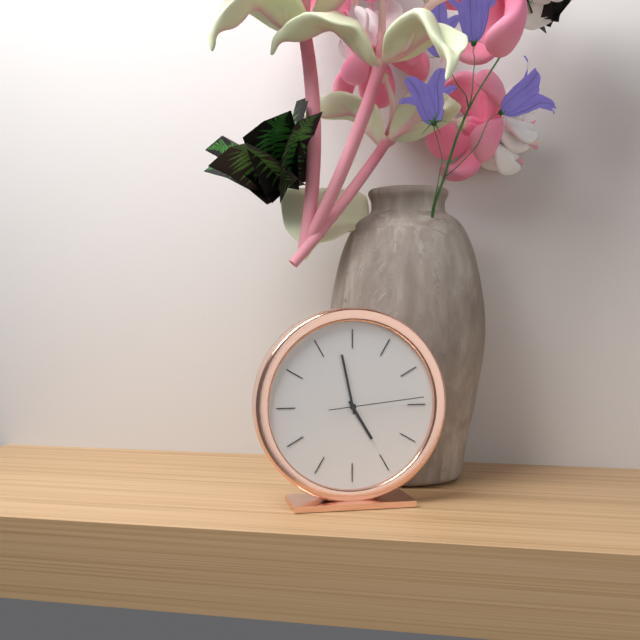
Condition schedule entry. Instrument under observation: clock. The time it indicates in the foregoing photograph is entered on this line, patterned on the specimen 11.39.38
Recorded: 4.58.14
